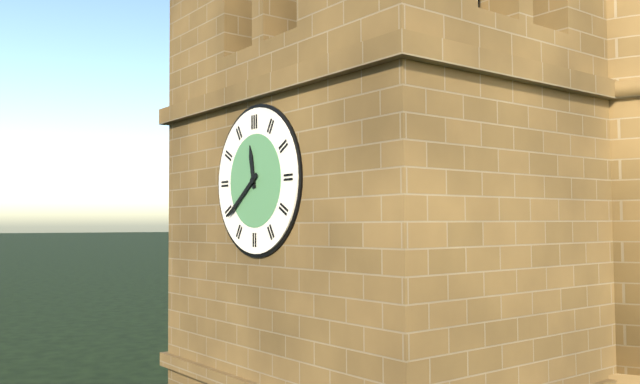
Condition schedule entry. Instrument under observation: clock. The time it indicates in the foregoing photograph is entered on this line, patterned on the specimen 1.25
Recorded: 11.39
